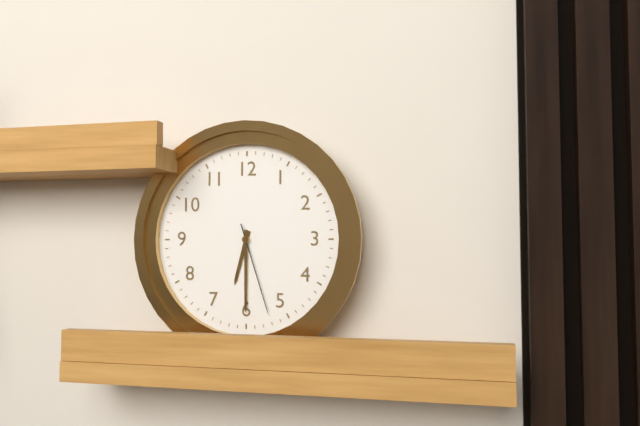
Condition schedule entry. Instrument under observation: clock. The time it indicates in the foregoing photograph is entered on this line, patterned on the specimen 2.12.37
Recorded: 6.30.27
